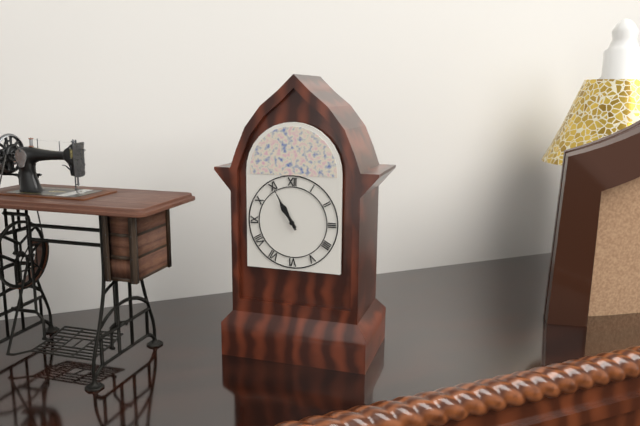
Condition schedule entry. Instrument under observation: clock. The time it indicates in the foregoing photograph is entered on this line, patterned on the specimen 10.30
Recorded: 10.55
